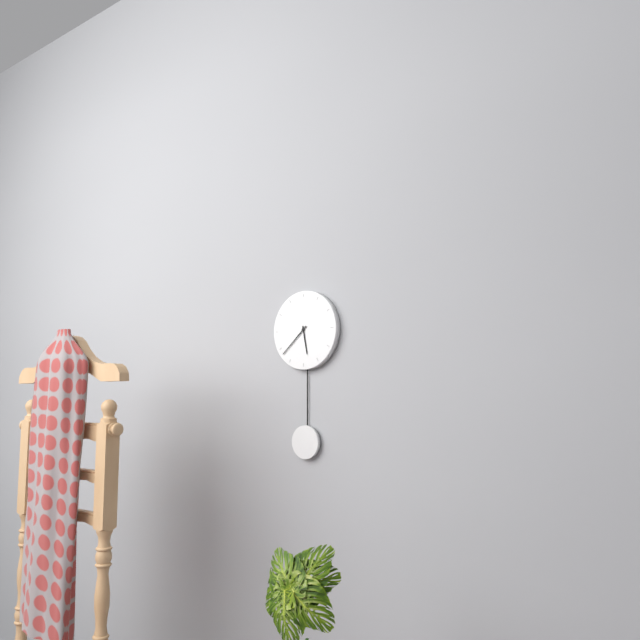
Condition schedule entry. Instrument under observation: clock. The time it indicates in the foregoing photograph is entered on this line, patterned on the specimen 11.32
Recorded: 5.38
